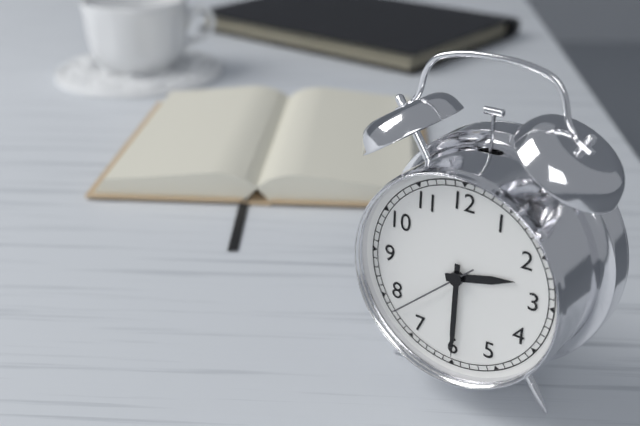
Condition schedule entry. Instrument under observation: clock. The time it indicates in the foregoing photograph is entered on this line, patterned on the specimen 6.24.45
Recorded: 2.30.38
